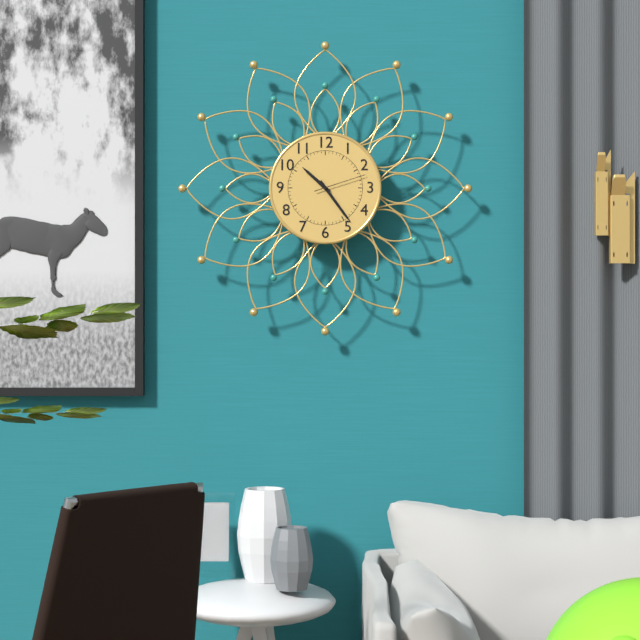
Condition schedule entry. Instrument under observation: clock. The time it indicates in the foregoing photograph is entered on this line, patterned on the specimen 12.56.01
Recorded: 10.24.12
